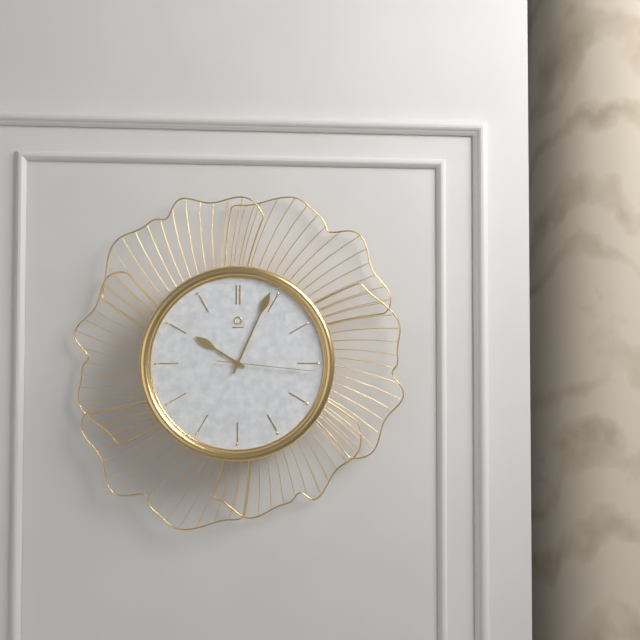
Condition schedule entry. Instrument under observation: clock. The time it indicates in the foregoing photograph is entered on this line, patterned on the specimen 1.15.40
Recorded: 10.04.16
